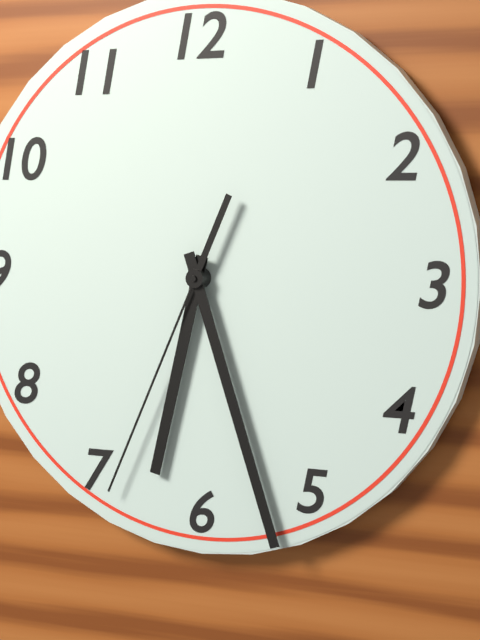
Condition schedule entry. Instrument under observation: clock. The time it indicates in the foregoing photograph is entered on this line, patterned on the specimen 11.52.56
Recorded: 6.27.34
